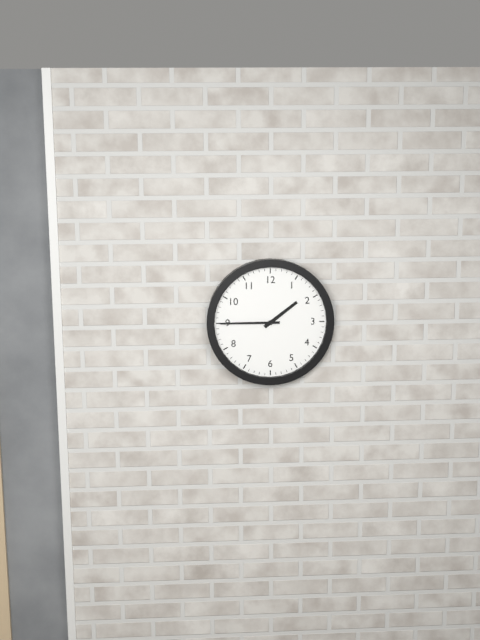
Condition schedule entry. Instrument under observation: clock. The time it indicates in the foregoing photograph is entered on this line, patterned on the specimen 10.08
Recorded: 1.45
